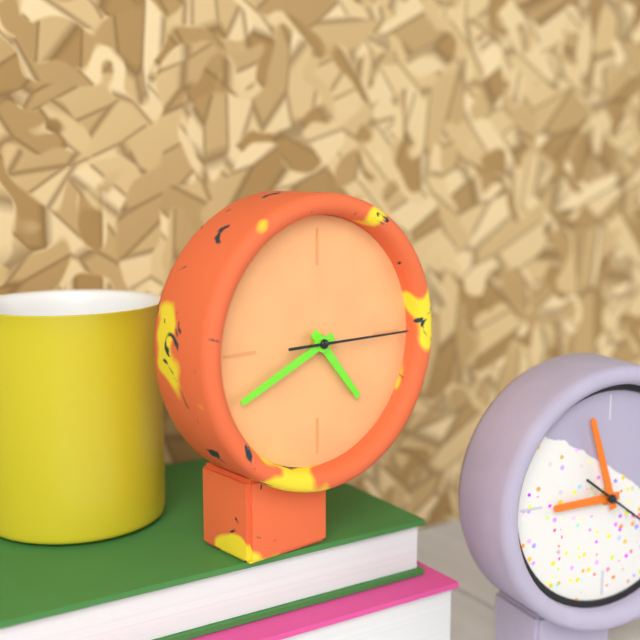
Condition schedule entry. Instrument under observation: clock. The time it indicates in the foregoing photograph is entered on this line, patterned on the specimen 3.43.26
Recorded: 4.41.15
